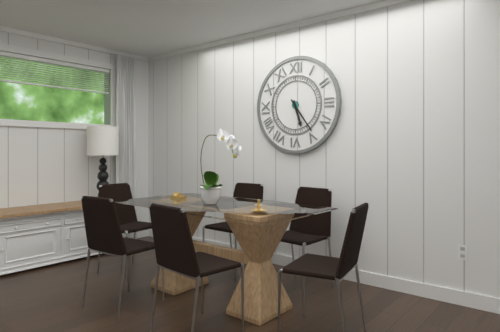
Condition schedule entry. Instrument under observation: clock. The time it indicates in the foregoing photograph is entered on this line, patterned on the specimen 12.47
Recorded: 5.24
